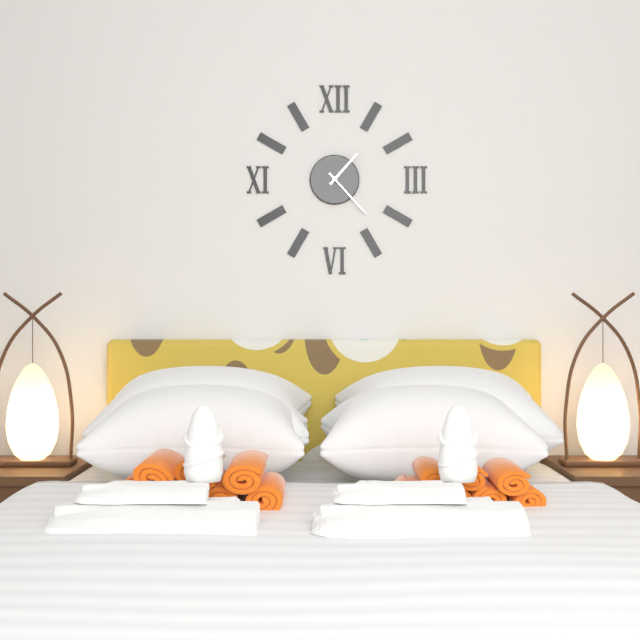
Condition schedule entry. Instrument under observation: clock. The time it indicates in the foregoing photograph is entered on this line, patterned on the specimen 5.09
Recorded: 1.23
